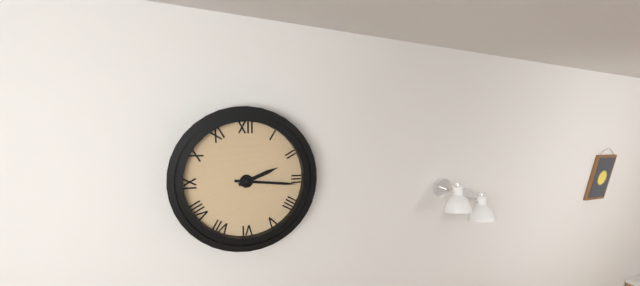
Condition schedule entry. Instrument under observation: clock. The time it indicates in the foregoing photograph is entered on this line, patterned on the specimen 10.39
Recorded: 2.16
